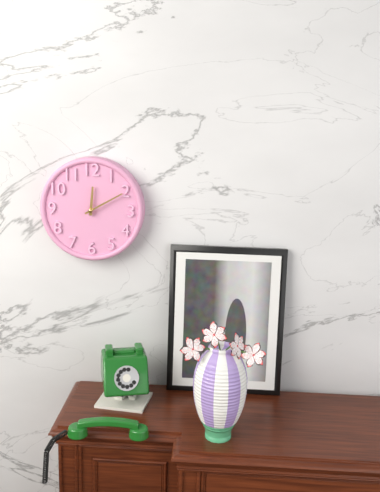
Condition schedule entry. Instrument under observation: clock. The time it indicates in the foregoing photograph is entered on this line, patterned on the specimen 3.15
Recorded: 12.10
